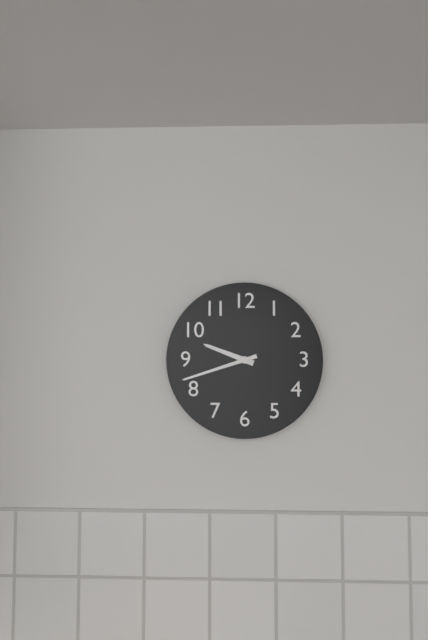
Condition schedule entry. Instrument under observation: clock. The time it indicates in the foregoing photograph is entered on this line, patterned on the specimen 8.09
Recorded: 9.42
